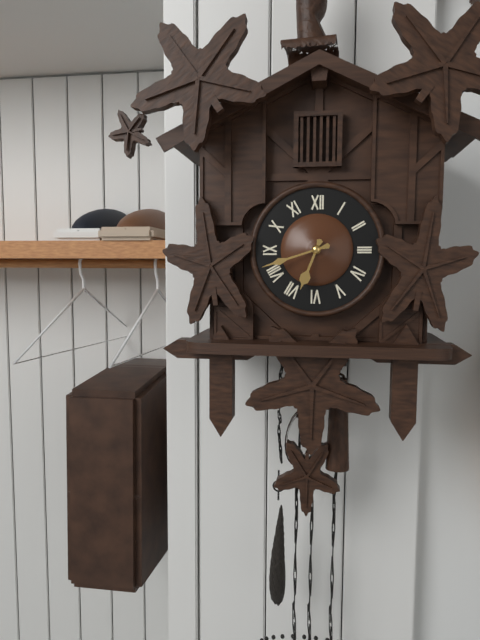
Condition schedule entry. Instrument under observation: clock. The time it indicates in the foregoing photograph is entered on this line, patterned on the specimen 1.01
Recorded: 6.42
